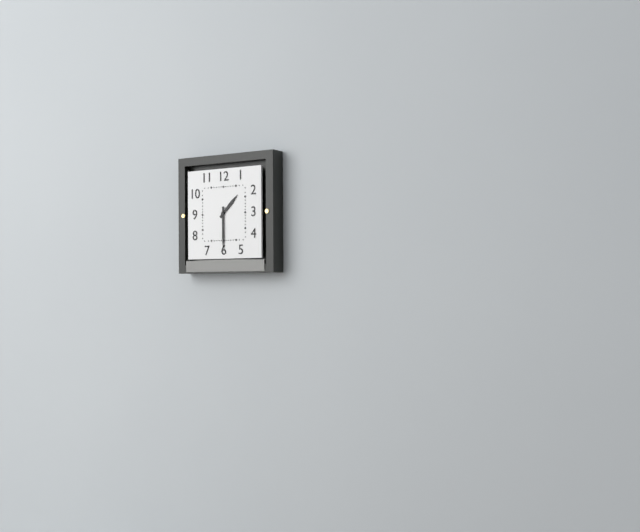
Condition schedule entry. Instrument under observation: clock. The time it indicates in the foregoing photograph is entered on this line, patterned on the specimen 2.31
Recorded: 1.30
